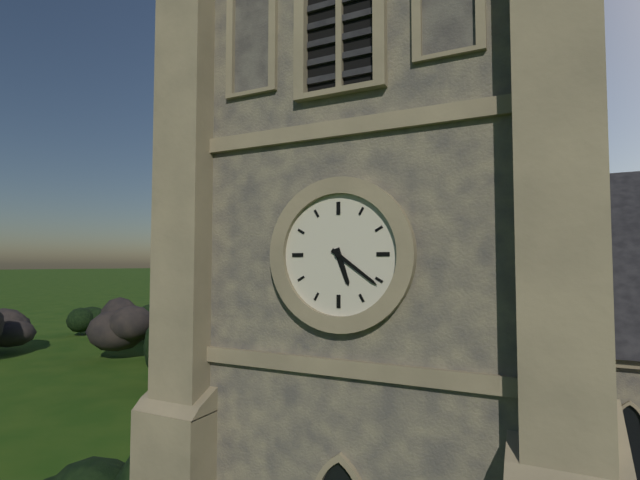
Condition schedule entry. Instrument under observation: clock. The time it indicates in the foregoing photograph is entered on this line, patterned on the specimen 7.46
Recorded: 5.21
